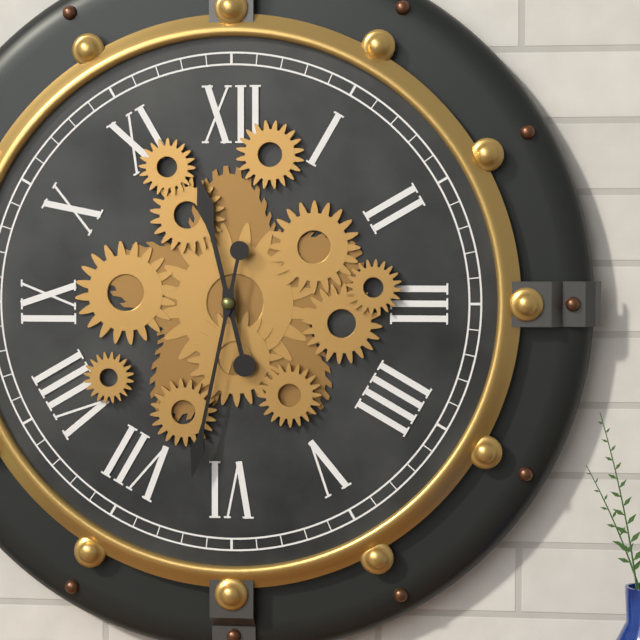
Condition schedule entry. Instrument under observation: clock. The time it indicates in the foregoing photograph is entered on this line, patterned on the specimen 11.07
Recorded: 11.32
